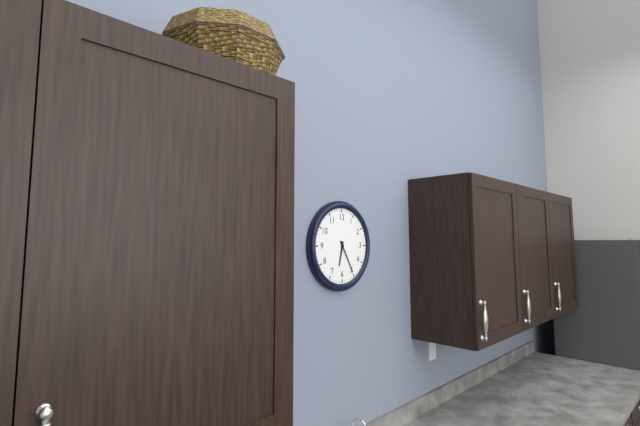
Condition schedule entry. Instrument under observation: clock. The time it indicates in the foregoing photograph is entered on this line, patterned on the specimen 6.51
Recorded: 6.25
